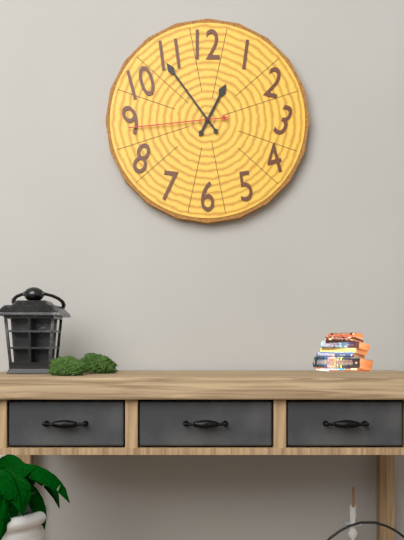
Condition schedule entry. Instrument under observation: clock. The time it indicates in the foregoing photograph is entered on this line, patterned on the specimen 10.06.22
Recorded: 12.54.44
